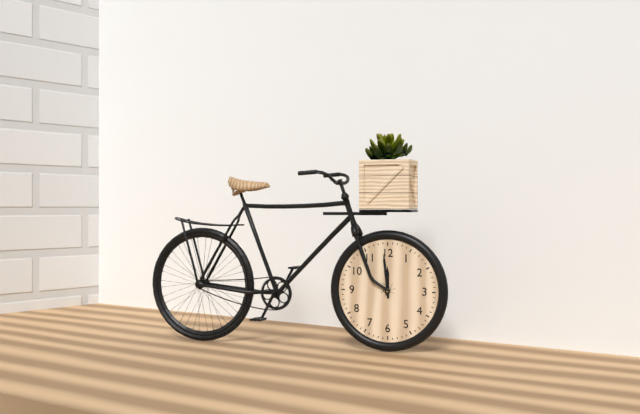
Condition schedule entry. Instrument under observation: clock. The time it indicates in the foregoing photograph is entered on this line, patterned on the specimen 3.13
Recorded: 11.59
